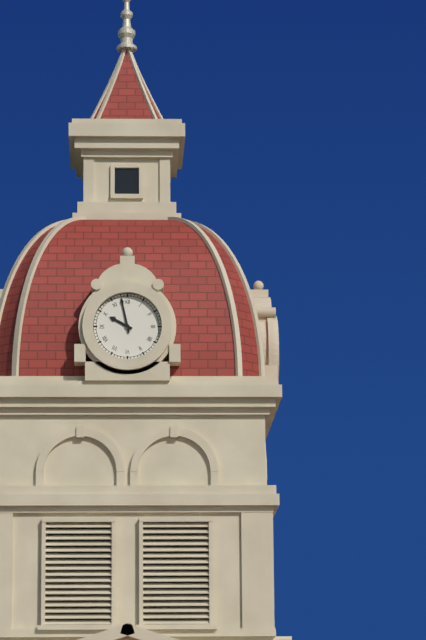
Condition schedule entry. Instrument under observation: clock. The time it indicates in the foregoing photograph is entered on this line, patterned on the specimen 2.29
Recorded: 9.58
